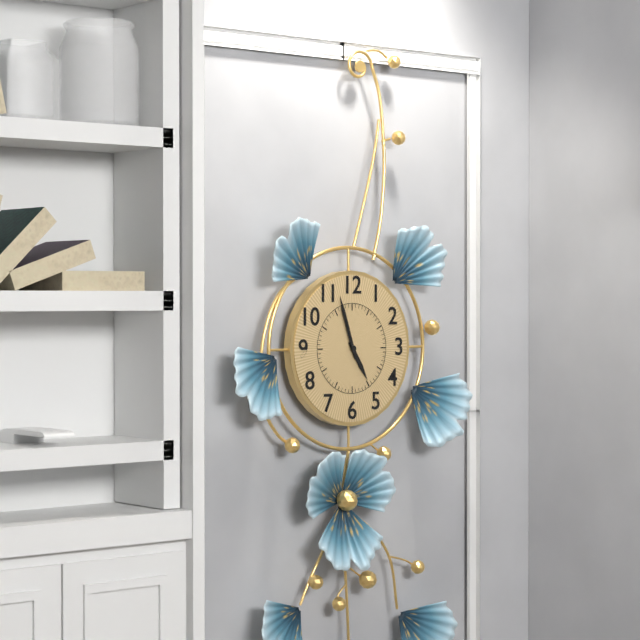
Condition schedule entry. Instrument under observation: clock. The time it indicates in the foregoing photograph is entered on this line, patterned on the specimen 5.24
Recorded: 4.57
